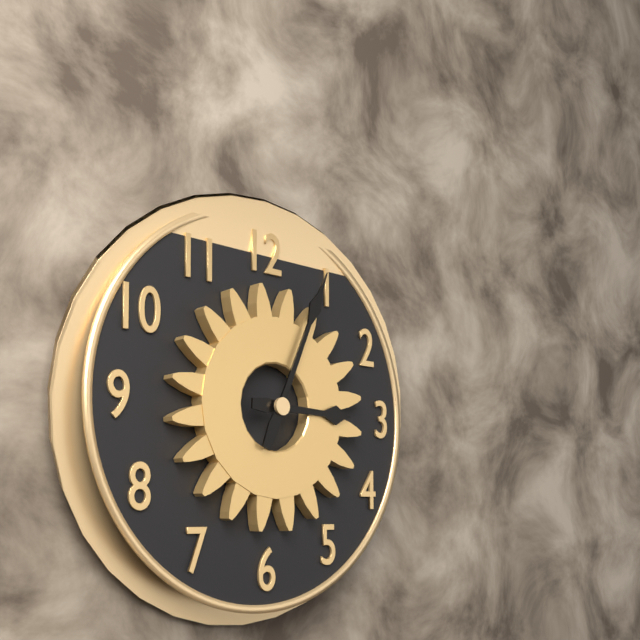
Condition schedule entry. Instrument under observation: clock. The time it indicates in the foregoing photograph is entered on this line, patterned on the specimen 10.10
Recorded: 3.04
